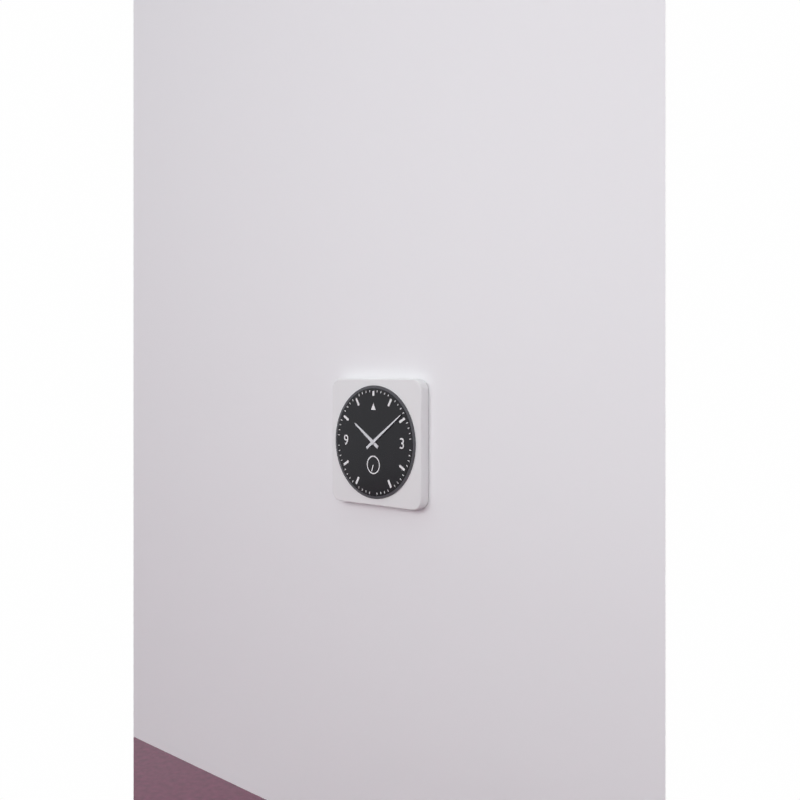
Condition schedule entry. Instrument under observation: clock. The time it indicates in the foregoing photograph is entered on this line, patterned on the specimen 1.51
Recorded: 10.09
